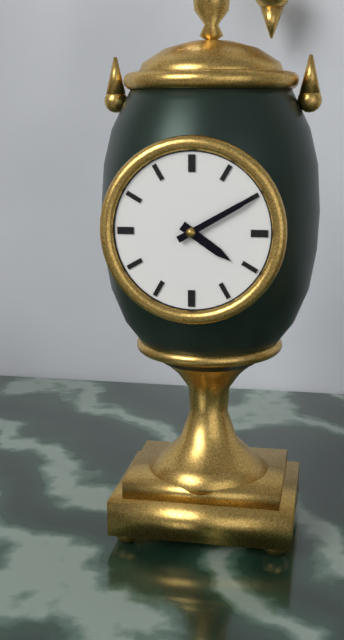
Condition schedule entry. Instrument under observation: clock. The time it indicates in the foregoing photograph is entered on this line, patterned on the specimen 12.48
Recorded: 4.10
